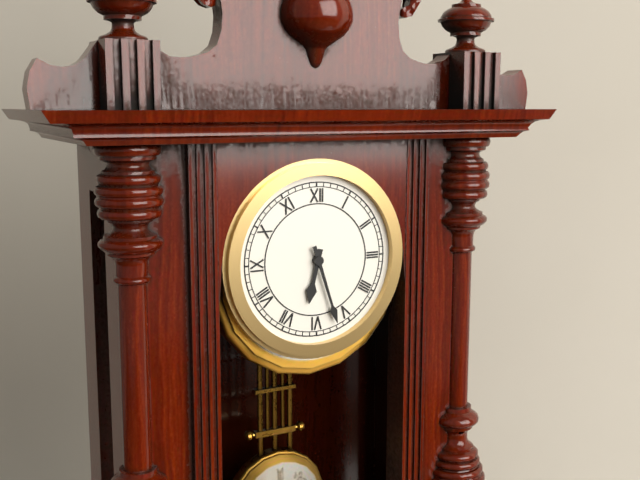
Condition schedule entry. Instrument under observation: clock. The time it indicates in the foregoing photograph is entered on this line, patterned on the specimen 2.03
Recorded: 6.27
